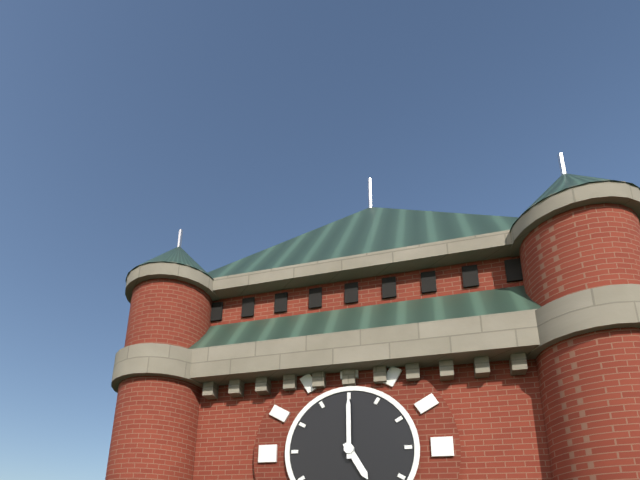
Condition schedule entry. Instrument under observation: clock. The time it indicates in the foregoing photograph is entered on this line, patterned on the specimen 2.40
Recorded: 5.00
